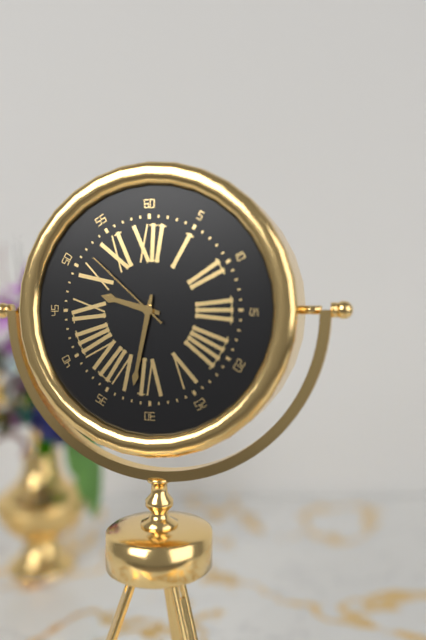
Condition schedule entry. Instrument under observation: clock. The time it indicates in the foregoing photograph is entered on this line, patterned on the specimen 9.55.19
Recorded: 9.32.52
